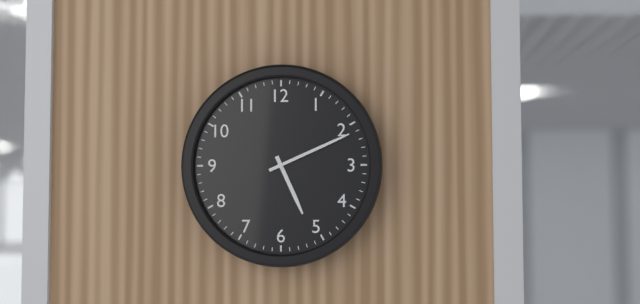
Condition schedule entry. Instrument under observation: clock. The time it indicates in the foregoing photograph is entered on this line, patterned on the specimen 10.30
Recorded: 5.11
